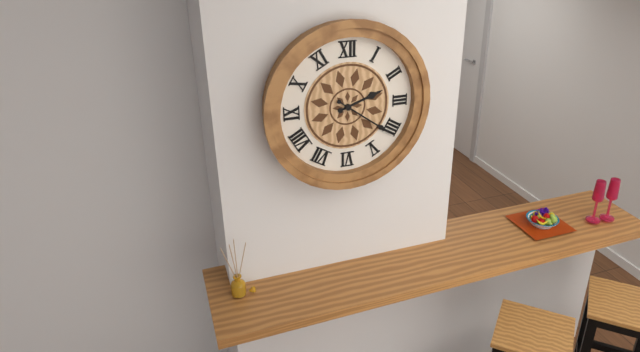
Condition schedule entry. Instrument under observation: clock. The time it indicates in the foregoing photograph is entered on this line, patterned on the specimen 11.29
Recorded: 2.21
